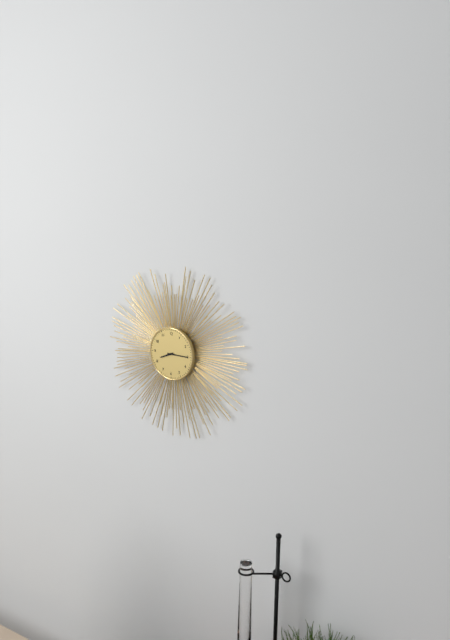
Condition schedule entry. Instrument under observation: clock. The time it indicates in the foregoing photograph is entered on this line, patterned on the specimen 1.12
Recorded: 8.15
